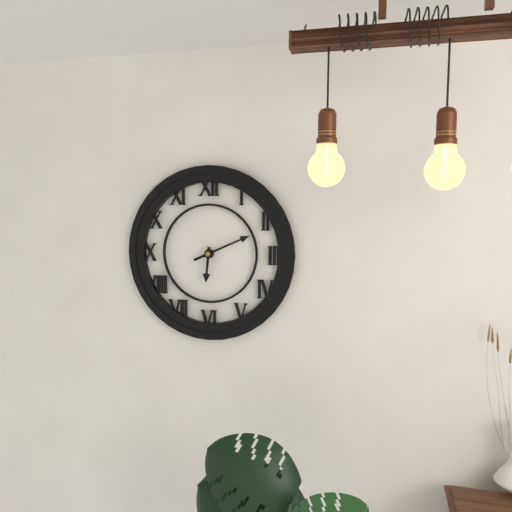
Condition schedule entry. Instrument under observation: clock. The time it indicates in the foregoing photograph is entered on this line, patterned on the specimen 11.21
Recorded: 6.11
